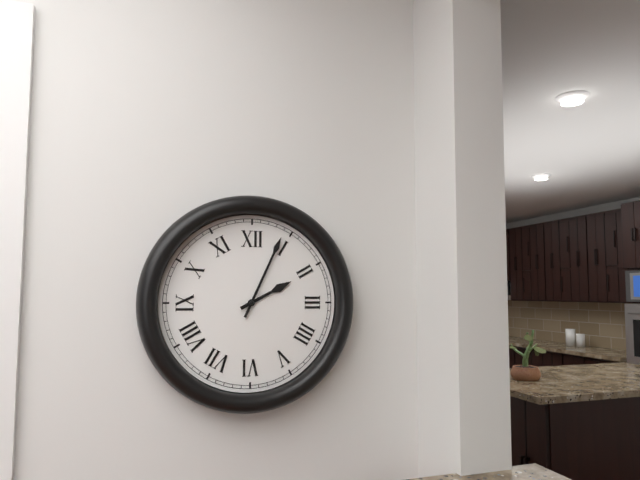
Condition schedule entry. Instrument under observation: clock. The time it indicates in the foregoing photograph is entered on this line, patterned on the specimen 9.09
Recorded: 2.04
